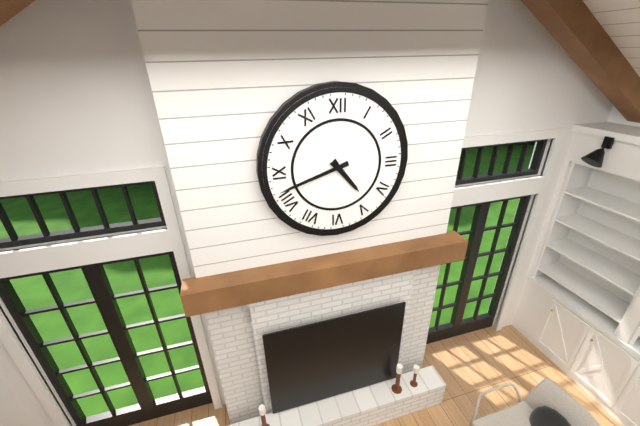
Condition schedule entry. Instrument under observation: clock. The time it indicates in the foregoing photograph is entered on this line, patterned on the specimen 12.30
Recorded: 4.42
